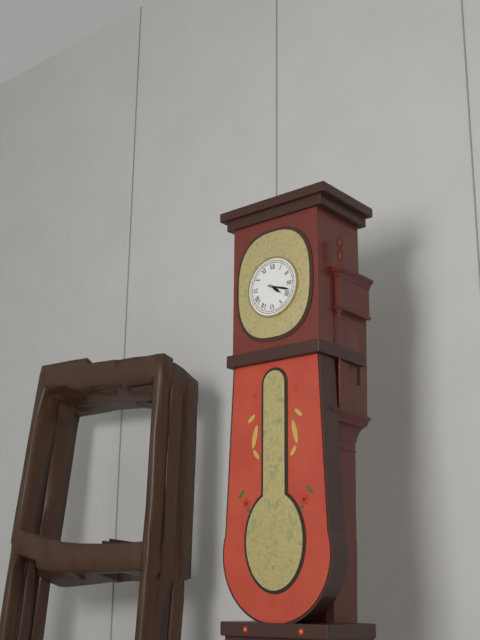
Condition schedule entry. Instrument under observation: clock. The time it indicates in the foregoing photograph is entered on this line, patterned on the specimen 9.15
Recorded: 4.18
